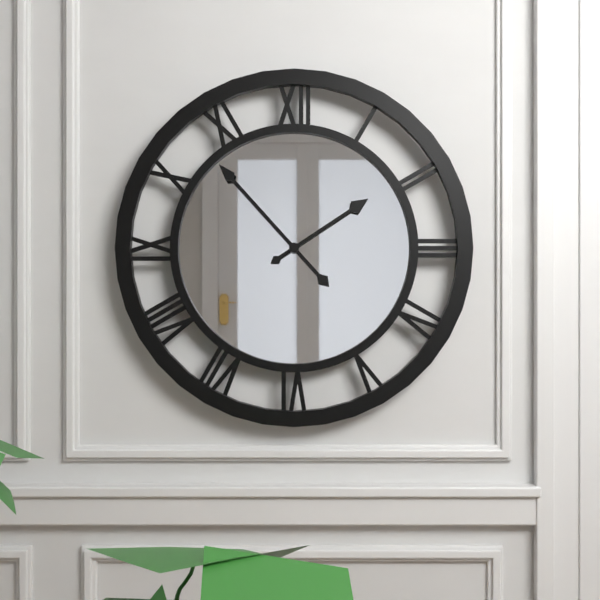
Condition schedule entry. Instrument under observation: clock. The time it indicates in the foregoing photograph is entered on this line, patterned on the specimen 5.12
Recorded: 1.53
